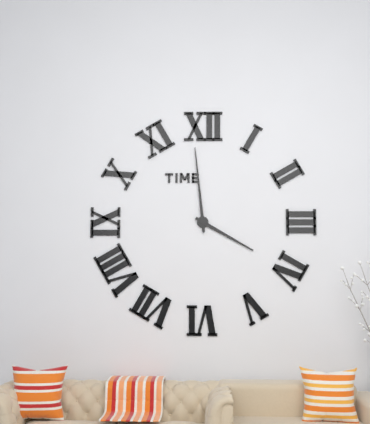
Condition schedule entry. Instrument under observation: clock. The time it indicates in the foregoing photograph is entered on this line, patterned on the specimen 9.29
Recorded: 3.59
